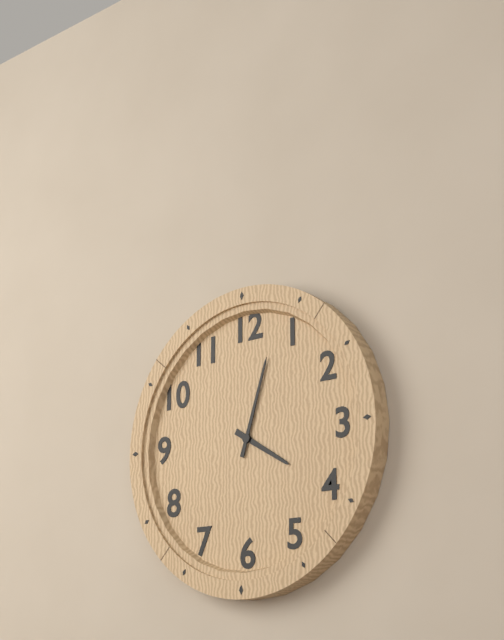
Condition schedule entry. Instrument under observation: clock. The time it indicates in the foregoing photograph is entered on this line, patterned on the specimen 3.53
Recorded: 4.03
